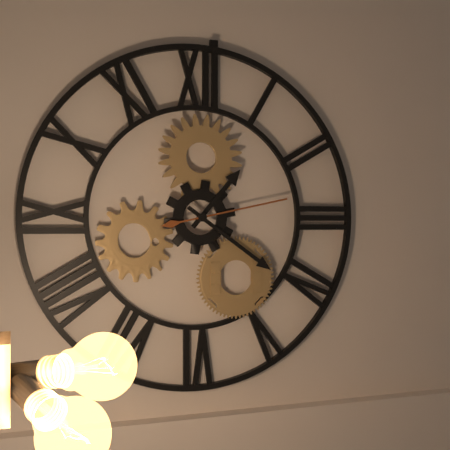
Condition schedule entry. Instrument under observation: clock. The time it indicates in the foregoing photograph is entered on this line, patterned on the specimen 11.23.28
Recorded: 1.21.13
